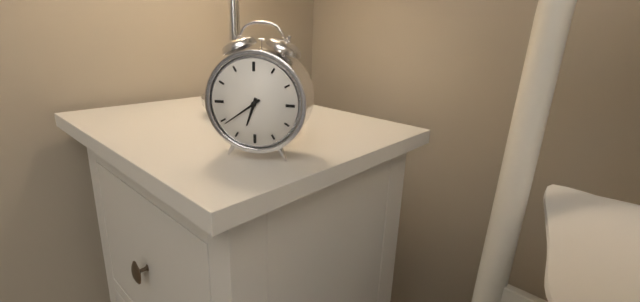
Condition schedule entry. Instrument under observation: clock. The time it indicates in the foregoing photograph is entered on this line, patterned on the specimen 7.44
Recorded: 6.39
